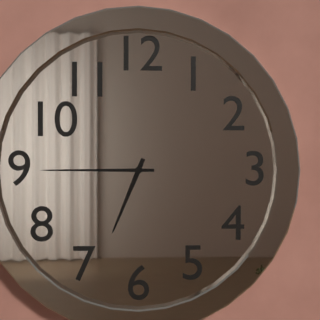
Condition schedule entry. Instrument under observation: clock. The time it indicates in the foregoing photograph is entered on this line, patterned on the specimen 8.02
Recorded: 6.45
